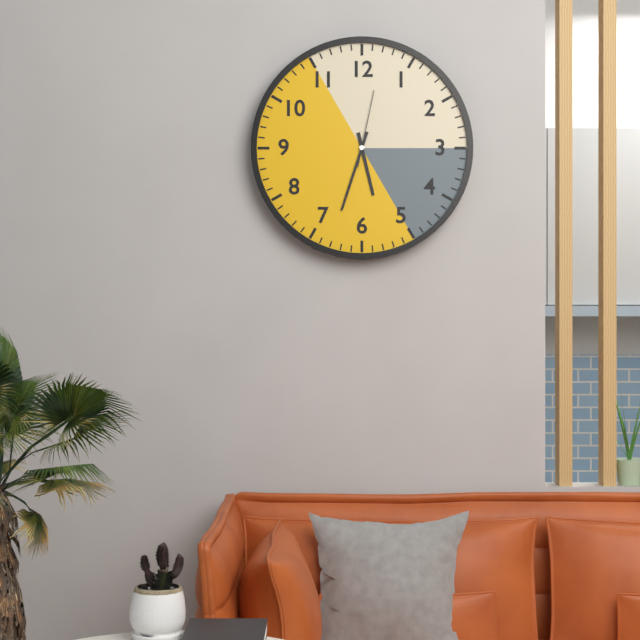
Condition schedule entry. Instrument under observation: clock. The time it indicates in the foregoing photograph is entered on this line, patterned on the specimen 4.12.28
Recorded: 5.33.02
